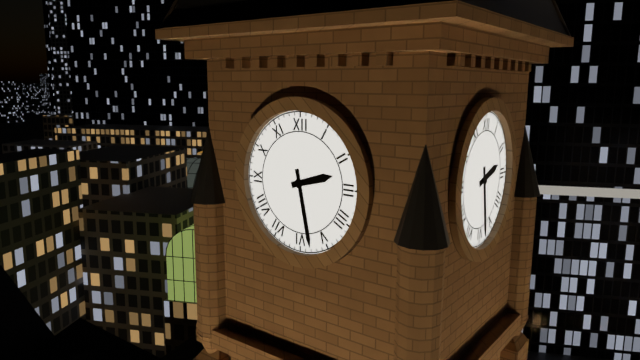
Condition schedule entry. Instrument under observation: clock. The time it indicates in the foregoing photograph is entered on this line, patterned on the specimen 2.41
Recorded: 2.28
